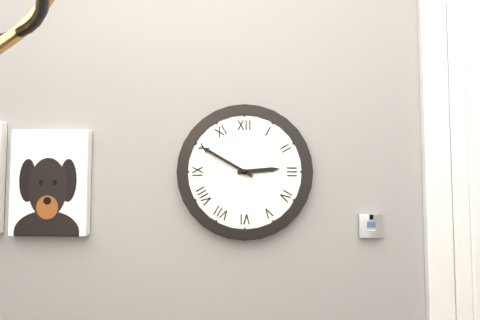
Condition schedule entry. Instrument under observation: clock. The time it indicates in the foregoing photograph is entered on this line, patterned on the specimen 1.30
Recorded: 2.50
